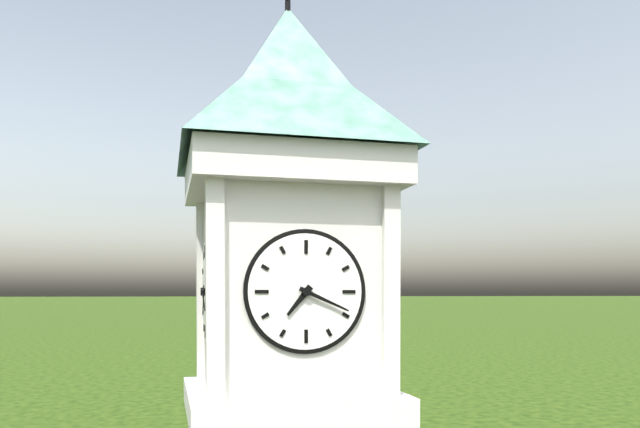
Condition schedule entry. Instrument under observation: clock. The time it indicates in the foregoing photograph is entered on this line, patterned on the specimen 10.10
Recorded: 7.19
